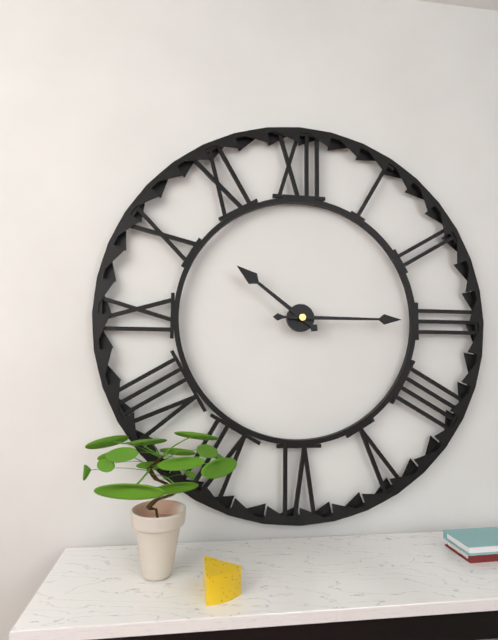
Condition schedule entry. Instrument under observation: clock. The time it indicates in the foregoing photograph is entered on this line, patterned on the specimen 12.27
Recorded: 10.15
